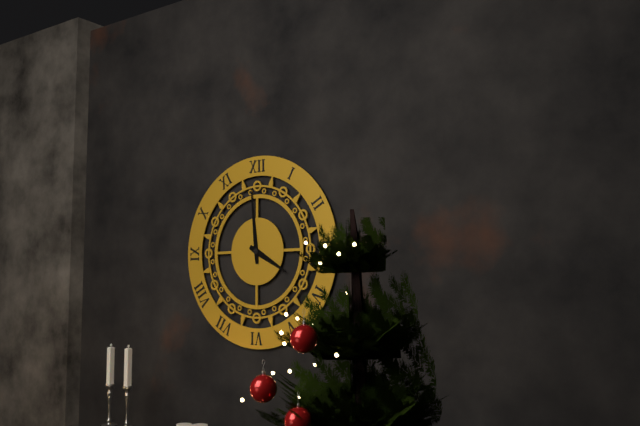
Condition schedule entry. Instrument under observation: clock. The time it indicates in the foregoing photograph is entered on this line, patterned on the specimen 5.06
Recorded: 3.59
